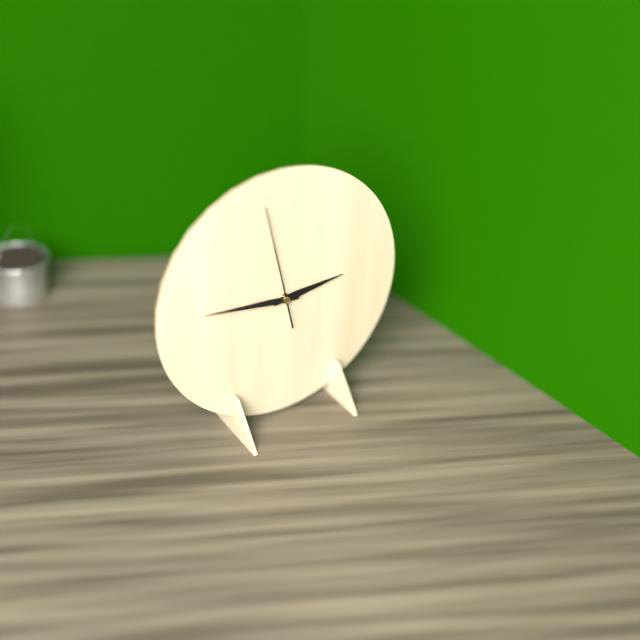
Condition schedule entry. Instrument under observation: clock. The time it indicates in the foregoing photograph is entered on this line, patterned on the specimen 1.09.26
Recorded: 2.46.58
